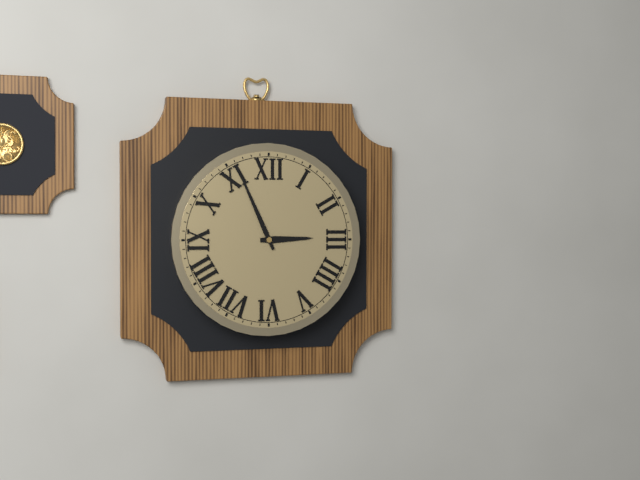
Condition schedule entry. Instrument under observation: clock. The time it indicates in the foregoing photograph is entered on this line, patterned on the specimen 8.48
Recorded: 2.56
